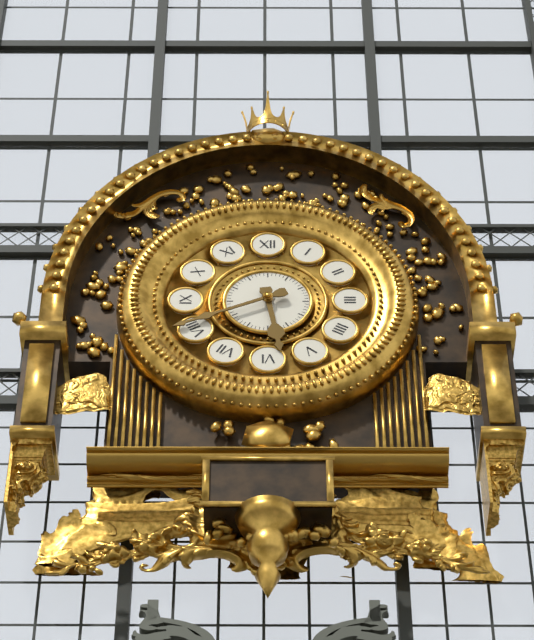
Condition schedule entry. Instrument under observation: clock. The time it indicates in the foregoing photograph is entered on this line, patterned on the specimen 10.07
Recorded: 5.41
